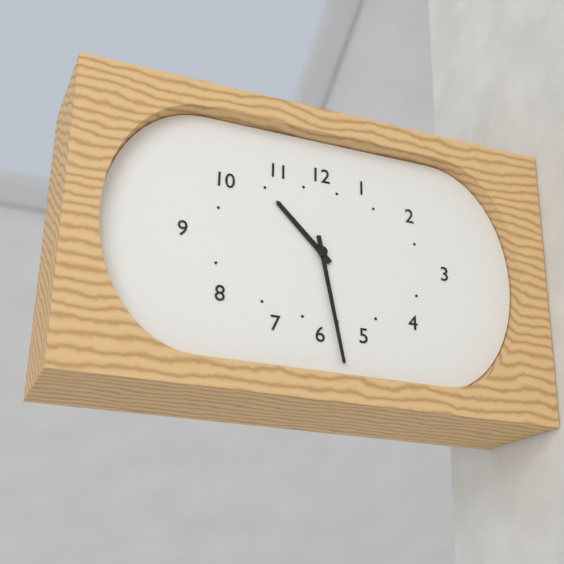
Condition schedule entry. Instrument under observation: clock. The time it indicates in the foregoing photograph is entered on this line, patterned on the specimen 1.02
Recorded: 10.28
